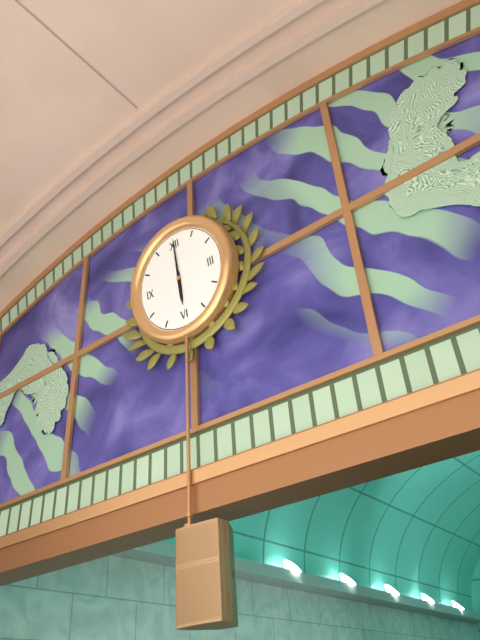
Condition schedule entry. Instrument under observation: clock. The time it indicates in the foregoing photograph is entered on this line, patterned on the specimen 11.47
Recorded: 6.00
